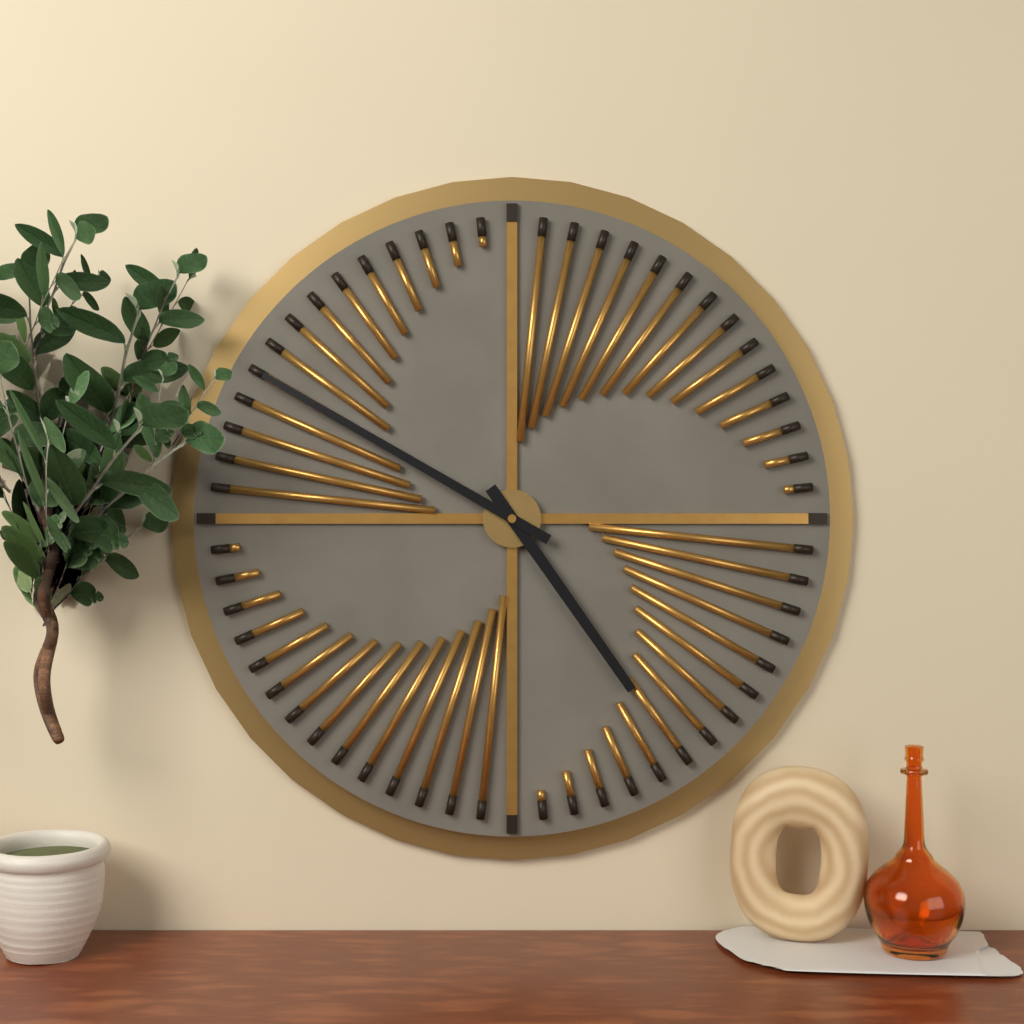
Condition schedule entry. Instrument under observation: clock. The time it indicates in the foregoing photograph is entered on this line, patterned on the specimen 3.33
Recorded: 4.50
